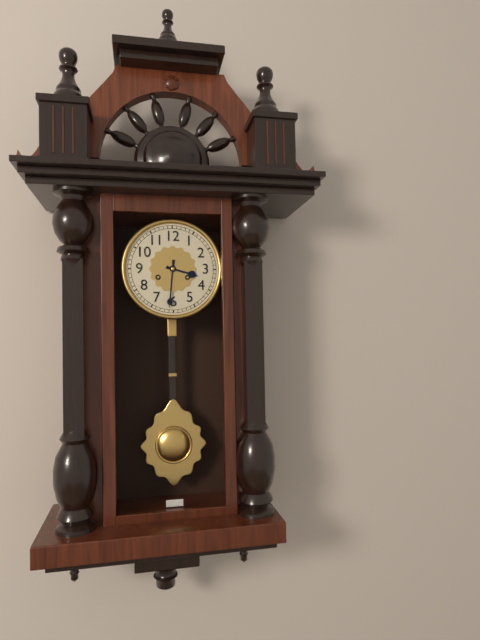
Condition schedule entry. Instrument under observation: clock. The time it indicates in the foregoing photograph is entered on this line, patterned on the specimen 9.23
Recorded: 3.31
